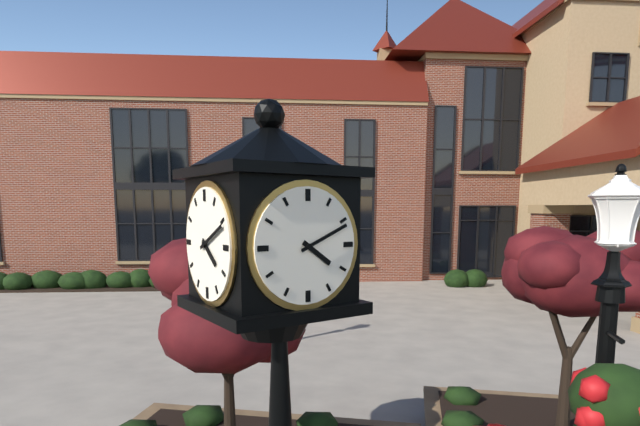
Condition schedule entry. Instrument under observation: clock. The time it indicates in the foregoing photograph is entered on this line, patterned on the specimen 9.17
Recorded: 4.11
